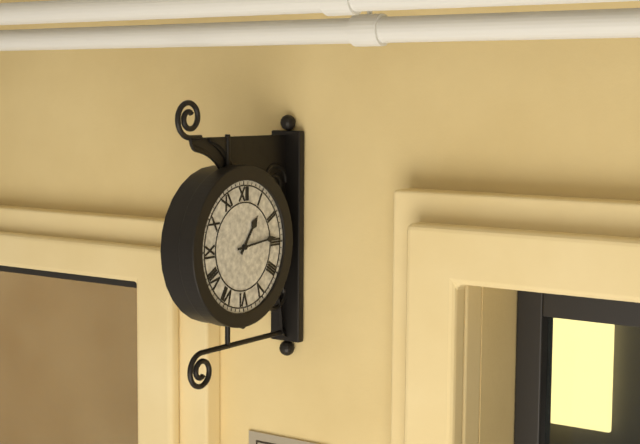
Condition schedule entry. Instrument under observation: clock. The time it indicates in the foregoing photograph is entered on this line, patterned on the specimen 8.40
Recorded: 1.14
